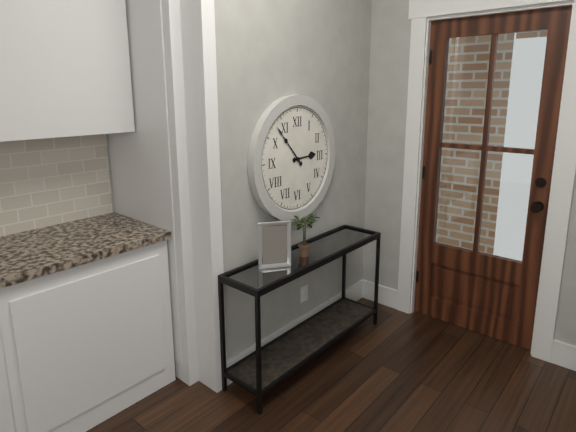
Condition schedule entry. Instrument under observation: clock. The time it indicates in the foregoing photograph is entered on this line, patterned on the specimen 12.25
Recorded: 2.53
